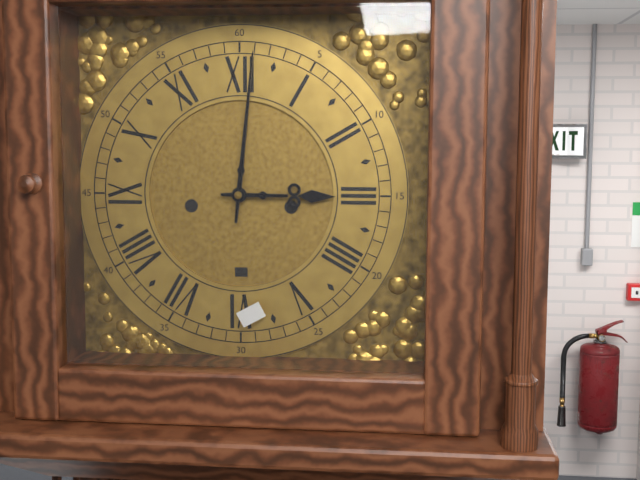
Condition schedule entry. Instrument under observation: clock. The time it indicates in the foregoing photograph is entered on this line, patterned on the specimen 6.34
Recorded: 3.01
